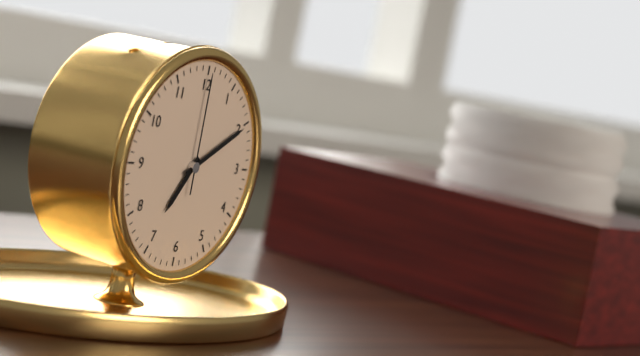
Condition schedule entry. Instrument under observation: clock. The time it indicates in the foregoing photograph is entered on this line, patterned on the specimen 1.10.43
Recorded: 7.10.00
